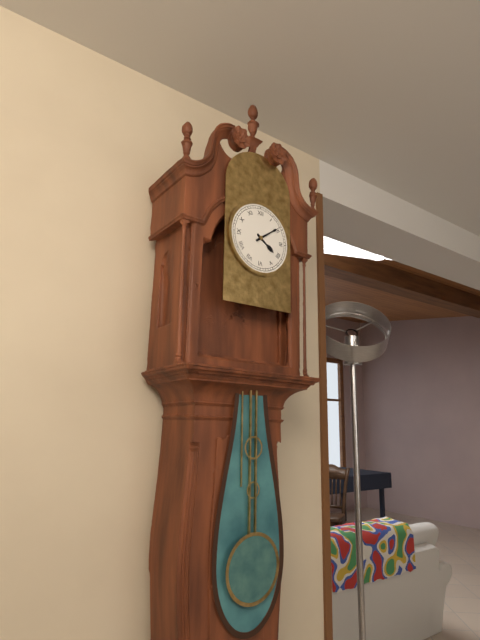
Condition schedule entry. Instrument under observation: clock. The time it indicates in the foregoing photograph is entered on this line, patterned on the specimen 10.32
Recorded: 4.09
